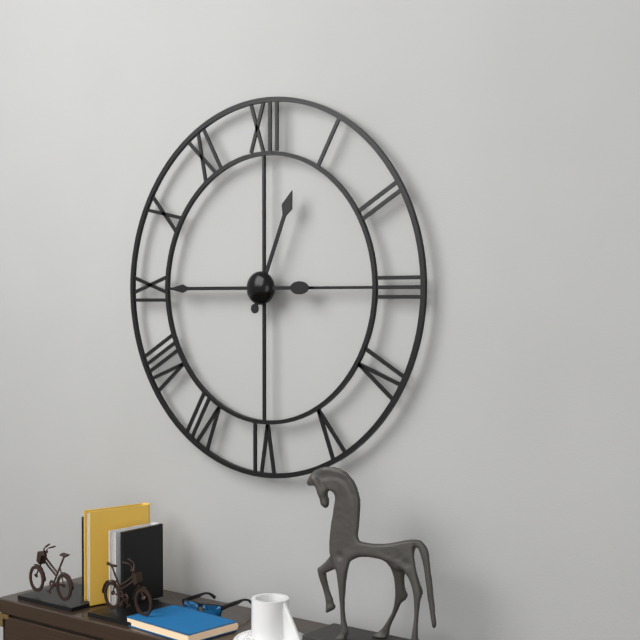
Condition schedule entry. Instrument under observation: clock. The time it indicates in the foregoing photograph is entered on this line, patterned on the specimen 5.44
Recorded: 12.45
